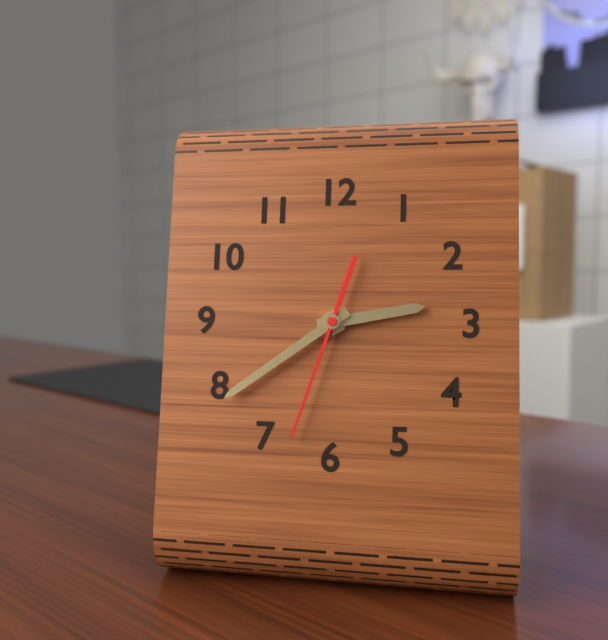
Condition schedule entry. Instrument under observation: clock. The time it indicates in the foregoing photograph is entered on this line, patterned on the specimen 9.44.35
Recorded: 2.39.33
